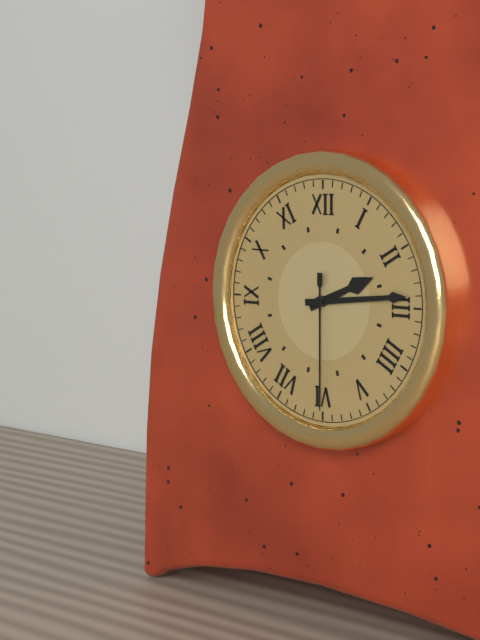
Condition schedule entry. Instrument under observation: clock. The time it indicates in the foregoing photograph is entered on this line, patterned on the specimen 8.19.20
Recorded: 2.14.30
